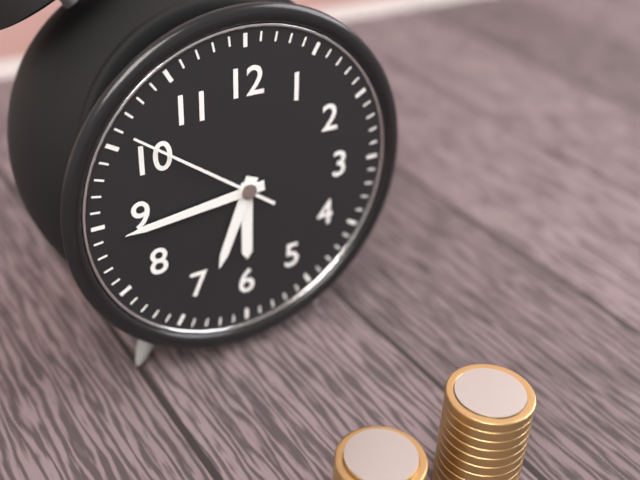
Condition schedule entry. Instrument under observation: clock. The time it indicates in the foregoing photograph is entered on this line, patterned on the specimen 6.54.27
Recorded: 6.44.51
